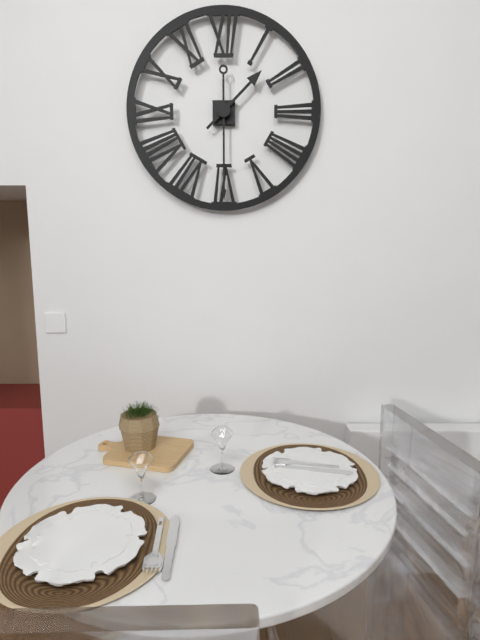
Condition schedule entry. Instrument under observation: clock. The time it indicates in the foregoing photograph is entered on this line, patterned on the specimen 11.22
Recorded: 1.30
